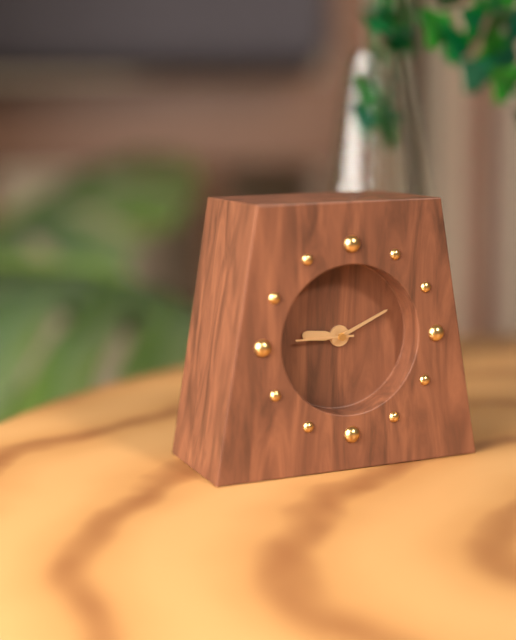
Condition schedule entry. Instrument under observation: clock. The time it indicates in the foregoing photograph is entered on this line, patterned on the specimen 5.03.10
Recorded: 9.11.45
